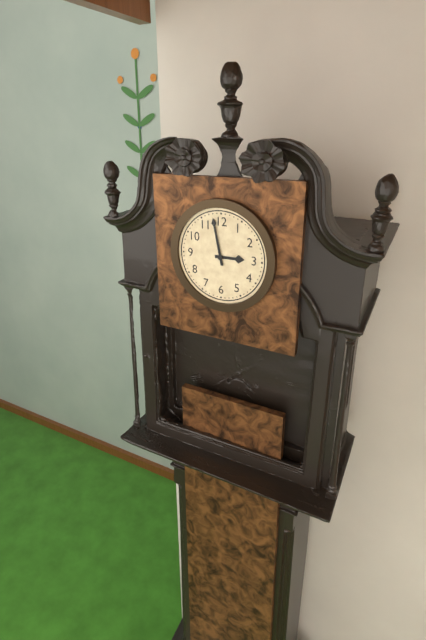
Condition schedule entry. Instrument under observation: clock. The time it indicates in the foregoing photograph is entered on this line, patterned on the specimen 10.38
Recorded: 2.58
